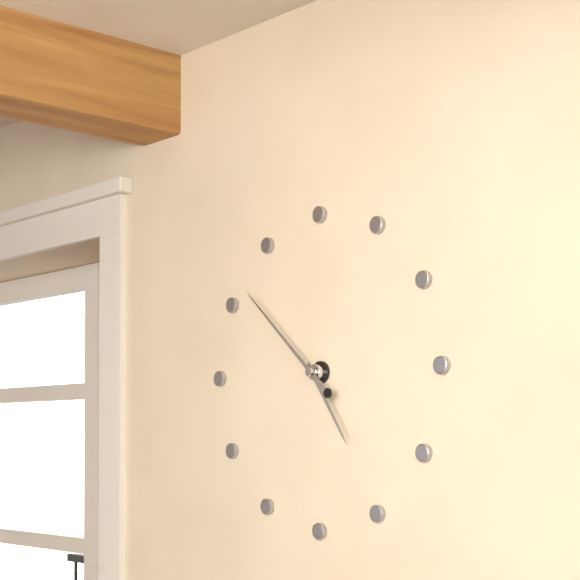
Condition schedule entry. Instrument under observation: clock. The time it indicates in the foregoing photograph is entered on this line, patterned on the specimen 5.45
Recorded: 4.52
